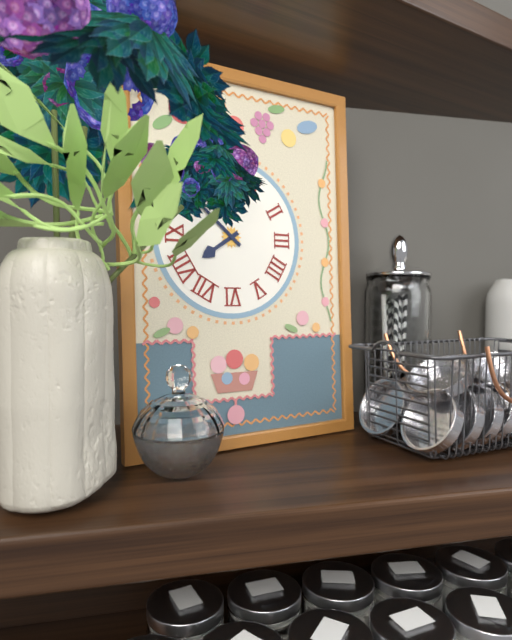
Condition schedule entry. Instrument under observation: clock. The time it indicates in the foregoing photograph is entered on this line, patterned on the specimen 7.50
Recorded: 7.52
